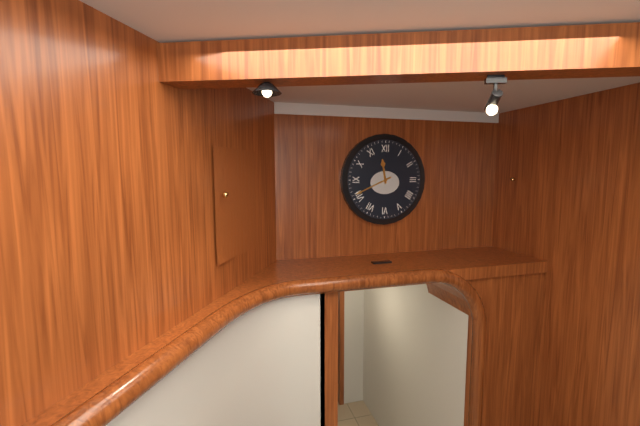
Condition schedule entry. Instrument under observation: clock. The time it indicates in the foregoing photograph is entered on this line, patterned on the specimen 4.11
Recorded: 11.41
